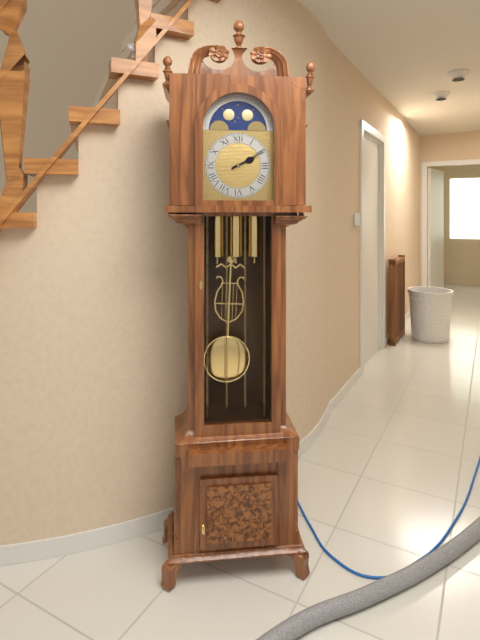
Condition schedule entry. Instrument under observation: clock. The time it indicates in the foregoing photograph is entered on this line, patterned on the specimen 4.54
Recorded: 2.10
